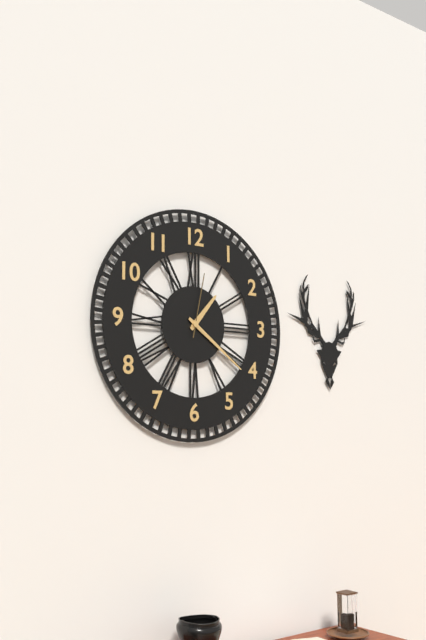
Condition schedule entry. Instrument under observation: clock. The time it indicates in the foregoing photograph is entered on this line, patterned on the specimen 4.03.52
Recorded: 1.21.02
